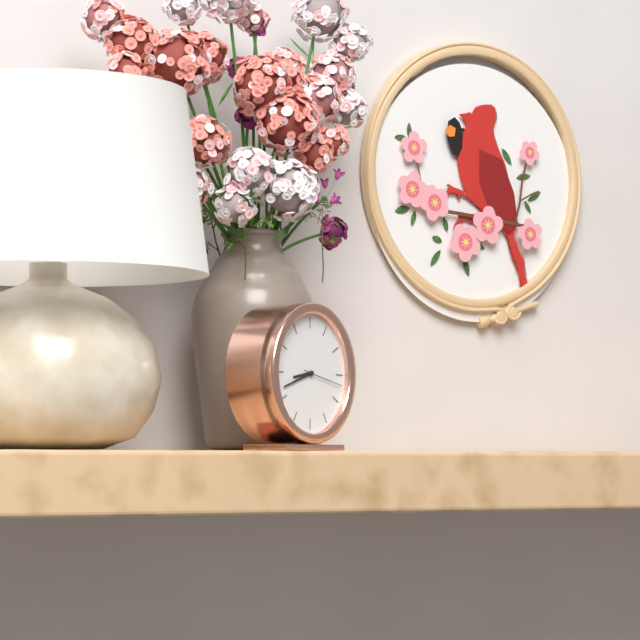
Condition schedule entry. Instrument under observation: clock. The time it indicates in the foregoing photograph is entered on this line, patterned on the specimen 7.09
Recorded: 8.42
